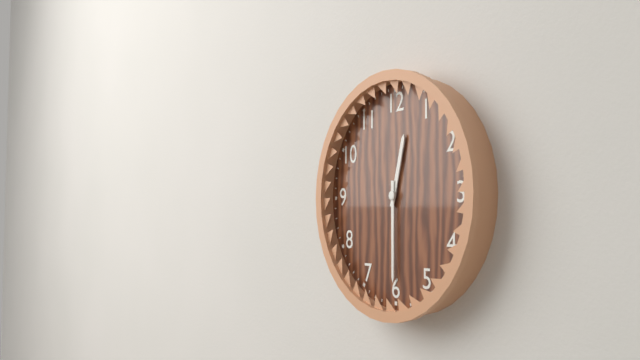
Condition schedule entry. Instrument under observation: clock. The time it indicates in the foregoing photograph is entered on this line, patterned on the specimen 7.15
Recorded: 12.30
